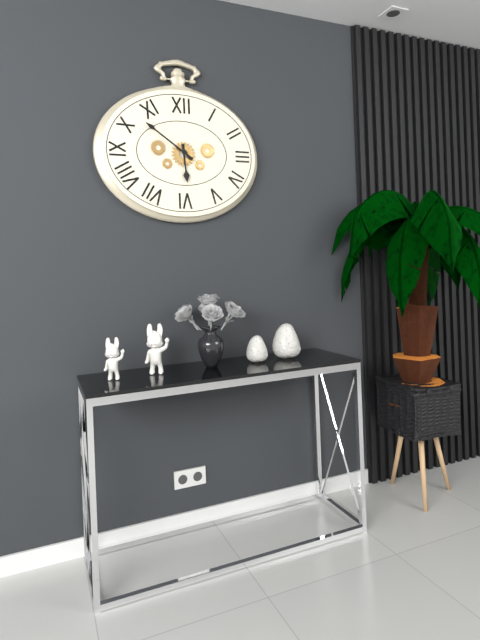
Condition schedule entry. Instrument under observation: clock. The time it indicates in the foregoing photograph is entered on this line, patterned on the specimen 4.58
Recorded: 5.51
